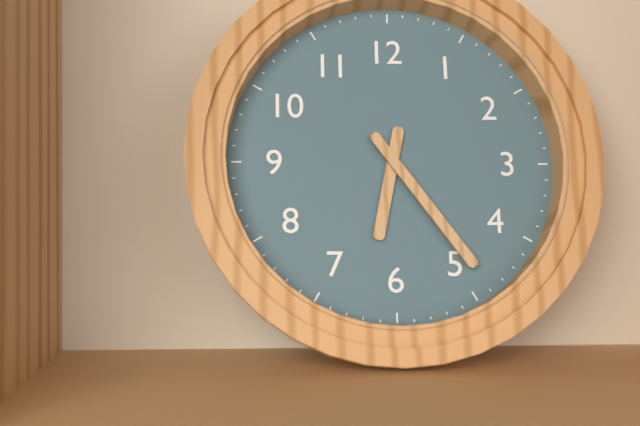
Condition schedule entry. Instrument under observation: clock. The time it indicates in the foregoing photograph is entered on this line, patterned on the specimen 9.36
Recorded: 6.24
